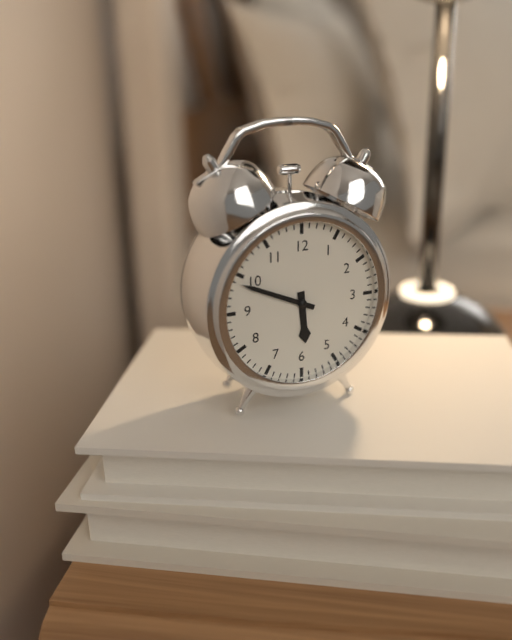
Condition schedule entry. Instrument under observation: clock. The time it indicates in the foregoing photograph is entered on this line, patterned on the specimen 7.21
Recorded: 5.49
